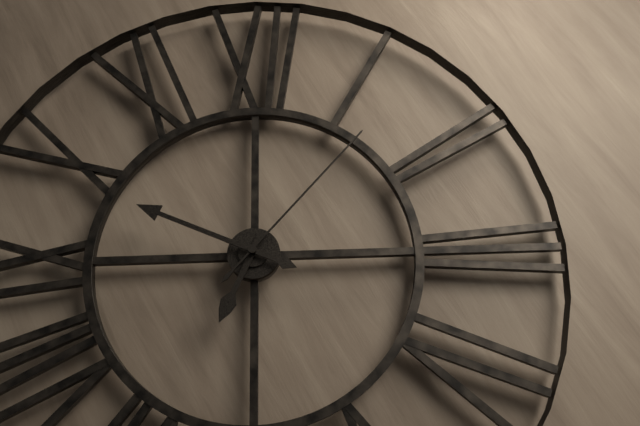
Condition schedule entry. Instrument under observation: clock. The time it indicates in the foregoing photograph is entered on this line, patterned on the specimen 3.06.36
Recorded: 6.49.07
